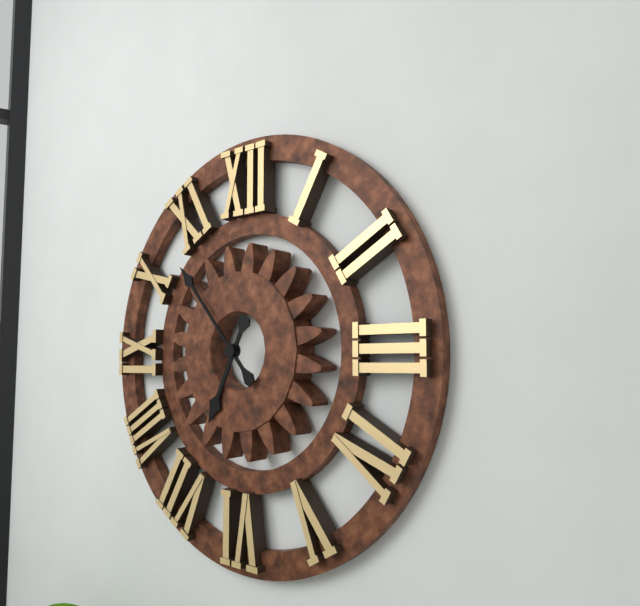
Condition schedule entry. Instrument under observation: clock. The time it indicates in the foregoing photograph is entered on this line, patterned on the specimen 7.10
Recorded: 6.53
